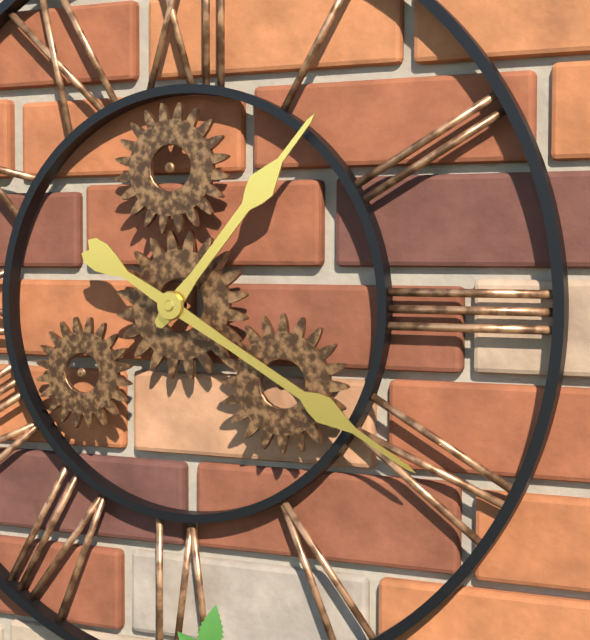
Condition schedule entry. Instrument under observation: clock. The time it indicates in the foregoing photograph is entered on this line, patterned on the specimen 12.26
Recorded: 1.20
